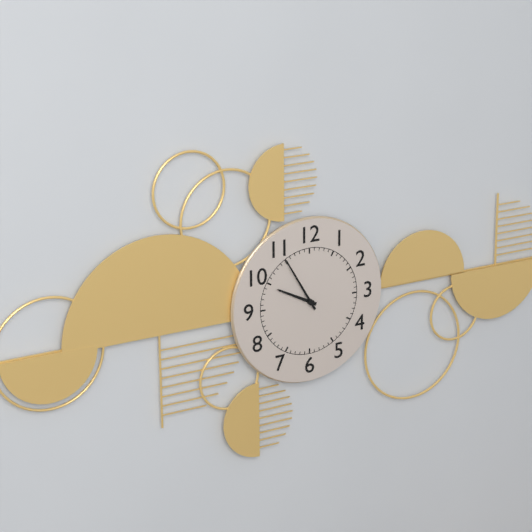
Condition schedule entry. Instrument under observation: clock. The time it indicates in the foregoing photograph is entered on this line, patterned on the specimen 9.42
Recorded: 9.55
